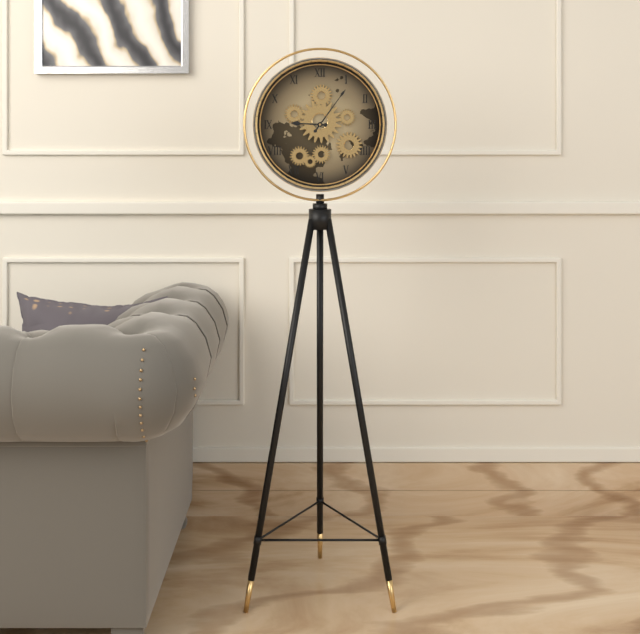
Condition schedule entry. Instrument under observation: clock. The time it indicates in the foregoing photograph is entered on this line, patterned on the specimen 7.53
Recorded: 9.06
